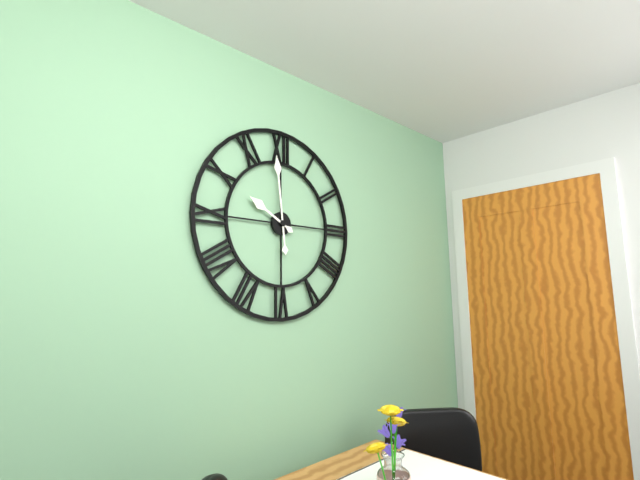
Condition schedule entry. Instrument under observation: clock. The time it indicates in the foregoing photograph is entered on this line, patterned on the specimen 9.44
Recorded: 9.59
